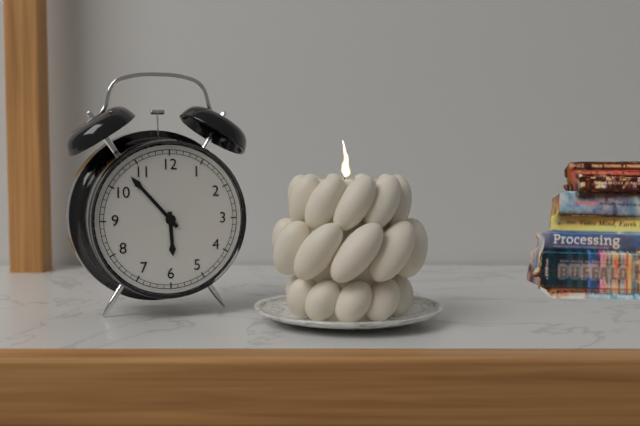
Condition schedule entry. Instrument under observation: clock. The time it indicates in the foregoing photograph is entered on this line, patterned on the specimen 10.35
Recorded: 5.53
